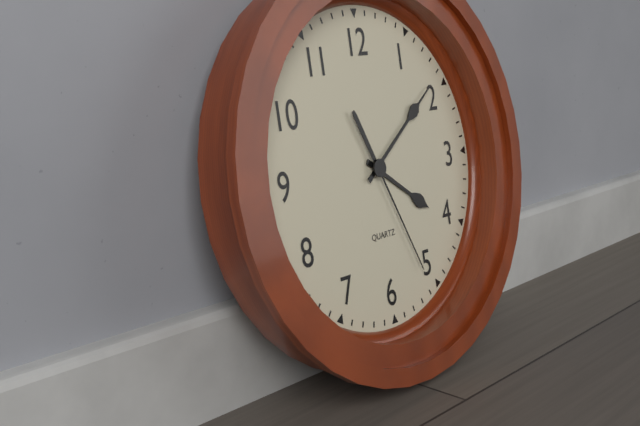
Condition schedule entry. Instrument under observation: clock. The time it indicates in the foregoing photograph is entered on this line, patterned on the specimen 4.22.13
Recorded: 4.09.26
